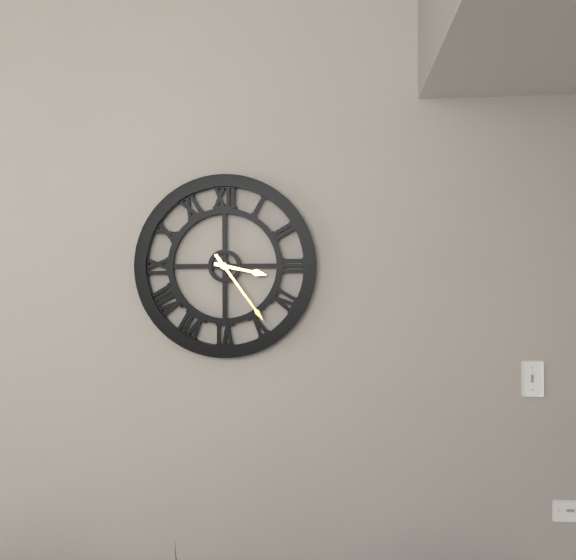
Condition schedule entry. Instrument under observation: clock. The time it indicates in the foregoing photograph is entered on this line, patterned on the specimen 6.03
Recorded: 3.24
